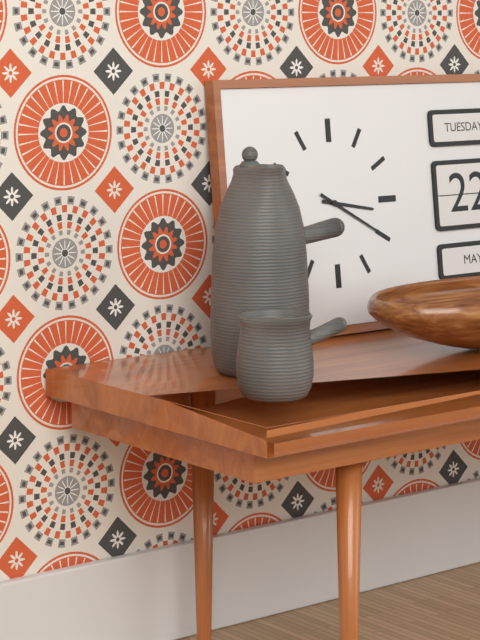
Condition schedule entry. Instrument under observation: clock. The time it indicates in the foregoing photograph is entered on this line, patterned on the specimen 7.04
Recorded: 3.20
